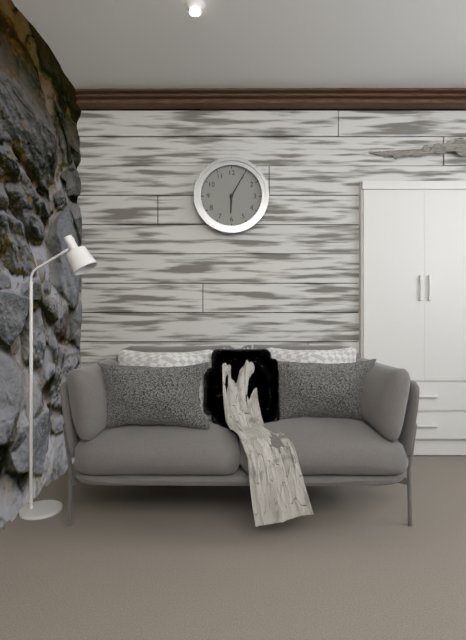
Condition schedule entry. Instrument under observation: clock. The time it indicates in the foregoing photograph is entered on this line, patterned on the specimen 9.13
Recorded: 6.05
